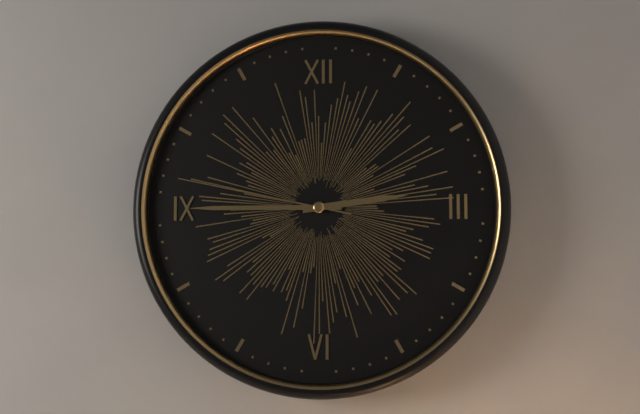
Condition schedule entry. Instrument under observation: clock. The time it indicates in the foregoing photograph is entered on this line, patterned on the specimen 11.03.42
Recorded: 2.45.47
